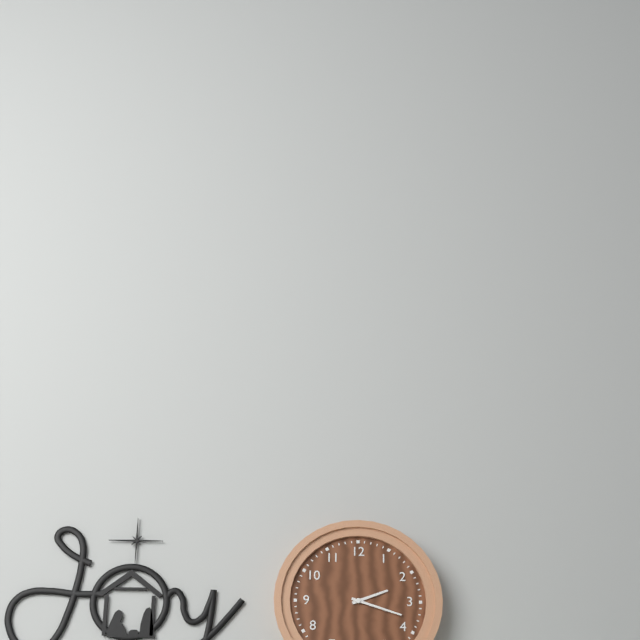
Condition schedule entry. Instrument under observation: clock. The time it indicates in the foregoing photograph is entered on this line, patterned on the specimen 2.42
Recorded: 2.18
